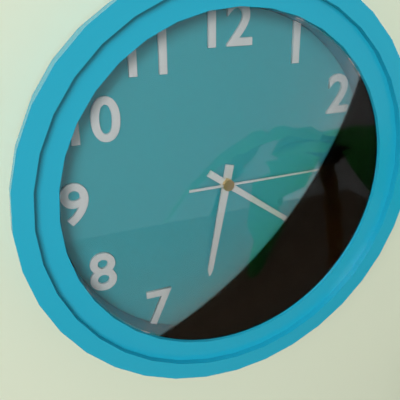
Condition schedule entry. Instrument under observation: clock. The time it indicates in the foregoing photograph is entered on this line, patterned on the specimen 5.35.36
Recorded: 6.21.15
